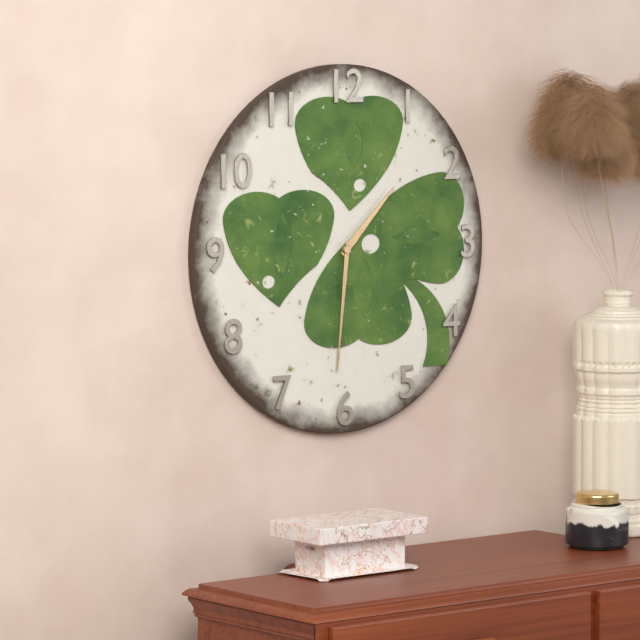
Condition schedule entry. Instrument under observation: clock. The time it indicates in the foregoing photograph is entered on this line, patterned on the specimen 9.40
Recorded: 1.31
